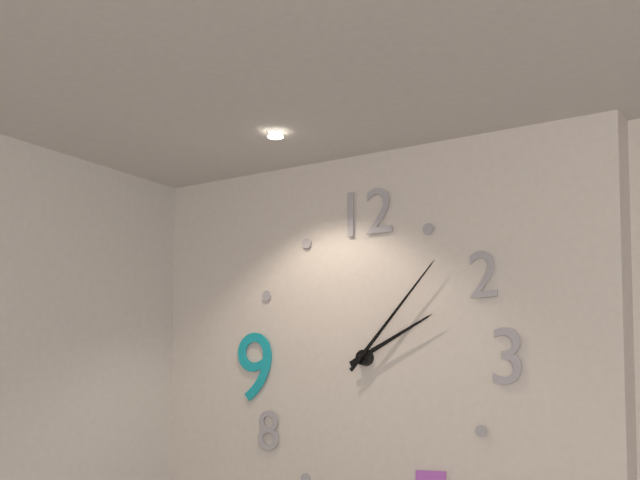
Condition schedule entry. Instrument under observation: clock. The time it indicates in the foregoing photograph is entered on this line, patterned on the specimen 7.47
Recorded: 2.07
